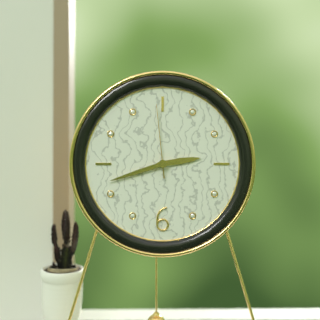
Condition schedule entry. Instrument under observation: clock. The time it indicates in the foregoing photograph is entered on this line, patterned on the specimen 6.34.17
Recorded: 2.42.59
